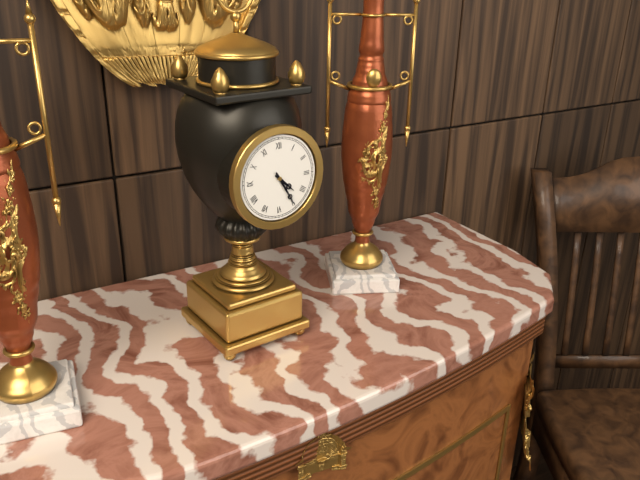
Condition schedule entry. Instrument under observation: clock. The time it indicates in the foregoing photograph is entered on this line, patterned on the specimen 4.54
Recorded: 4.25
